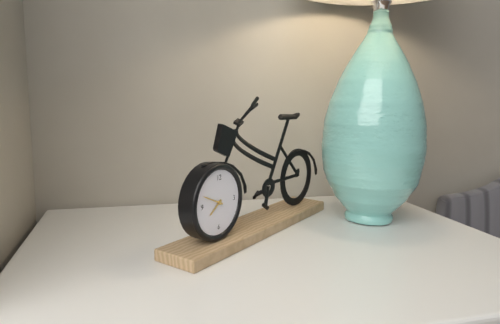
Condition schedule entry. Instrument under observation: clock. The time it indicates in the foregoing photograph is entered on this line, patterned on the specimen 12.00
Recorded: 7.49
